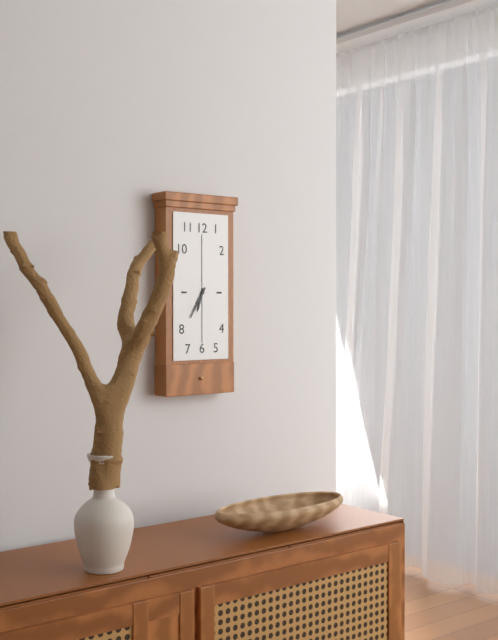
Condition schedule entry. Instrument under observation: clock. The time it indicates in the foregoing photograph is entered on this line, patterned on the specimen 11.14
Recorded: 6.35
